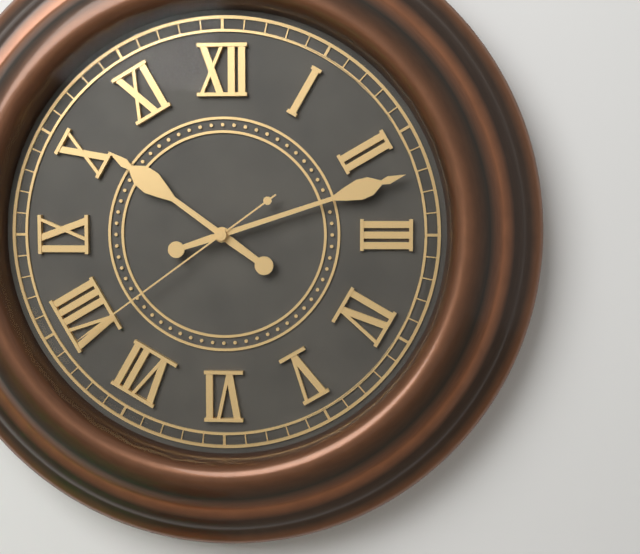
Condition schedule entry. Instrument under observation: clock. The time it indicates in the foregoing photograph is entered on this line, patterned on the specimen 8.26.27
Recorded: 10.12.39
